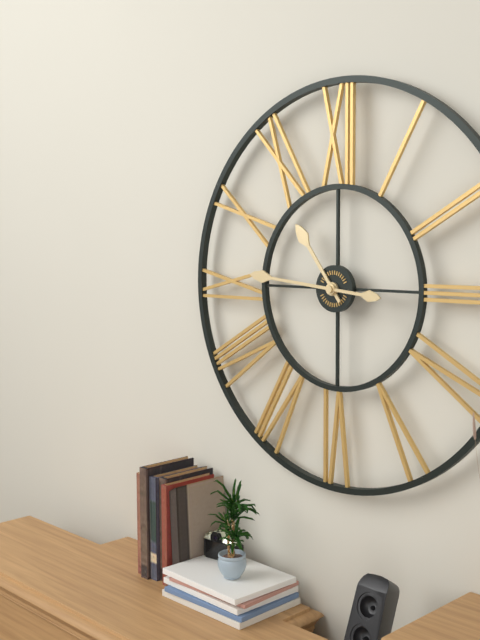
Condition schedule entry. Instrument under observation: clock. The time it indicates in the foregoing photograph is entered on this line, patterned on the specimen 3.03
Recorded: 10.46
